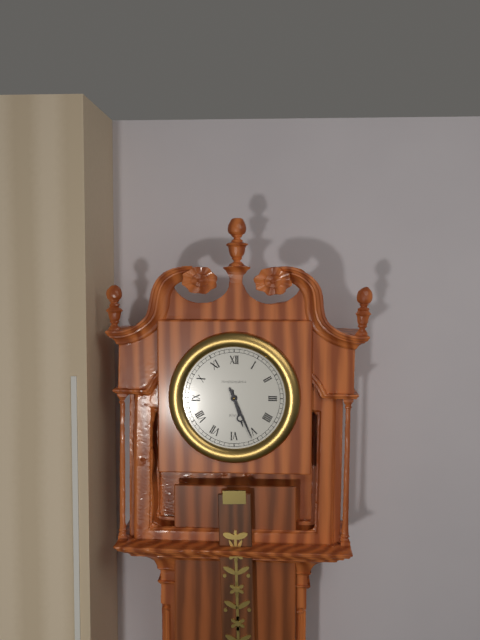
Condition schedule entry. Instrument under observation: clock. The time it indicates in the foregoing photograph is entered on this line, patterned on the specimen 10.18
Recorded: 5.26
